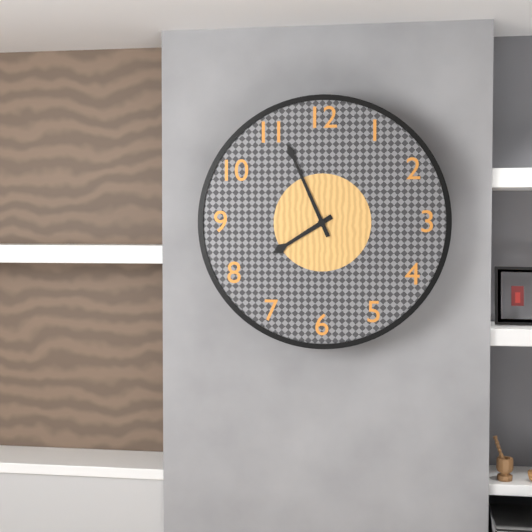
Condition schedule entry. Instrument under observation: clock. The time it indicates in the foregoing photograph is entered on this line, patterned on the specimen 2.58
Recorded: 7.56
